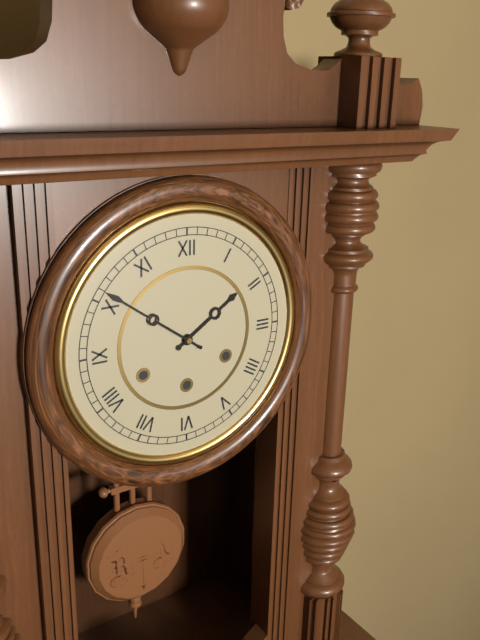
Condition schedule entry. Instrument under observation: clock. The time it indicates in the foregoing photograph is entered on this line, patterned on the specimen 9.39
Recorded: 1.51
